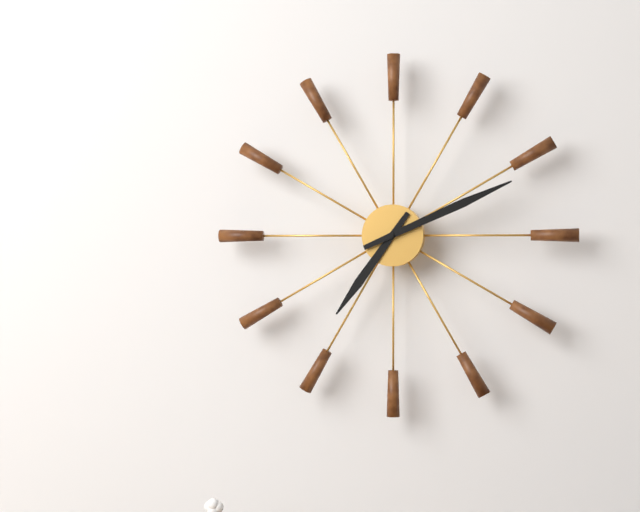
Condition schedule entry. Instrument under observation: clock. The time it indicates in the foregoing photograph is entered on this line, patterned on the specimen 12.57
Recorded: 7.11
